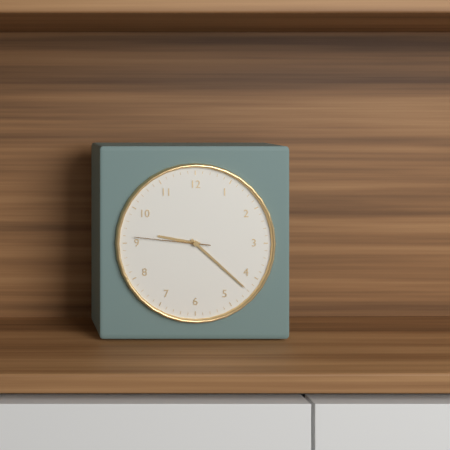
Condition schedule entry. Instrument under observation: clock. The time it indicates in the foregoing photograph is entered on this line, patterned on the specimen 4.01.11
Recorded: 9.22.46
